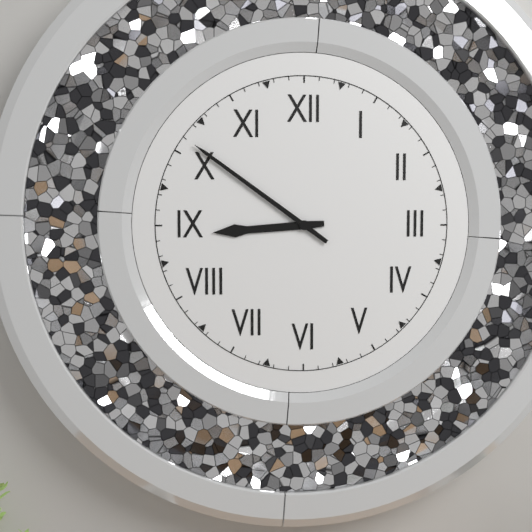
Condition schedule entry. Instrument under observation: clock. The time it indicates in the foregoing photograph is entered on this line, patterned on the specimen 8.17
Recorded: 8.51
